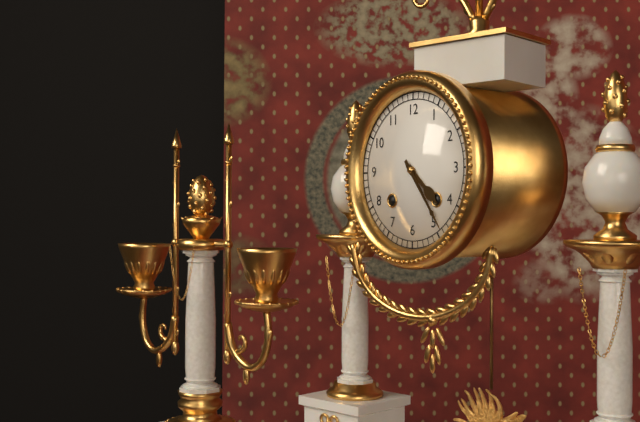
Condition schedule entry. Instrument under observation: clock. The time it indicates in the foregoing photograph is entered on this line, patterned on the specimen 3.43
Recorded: 4.24
